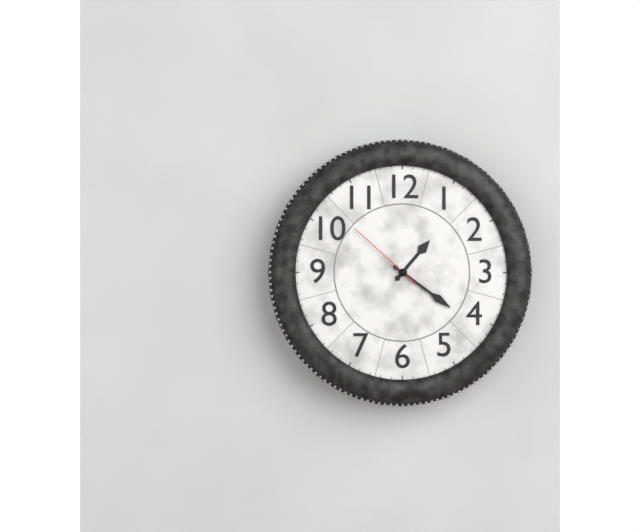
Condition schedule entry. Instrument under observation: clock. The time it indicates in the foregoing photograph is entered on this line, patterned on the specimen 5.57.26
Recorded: 1.21.52
